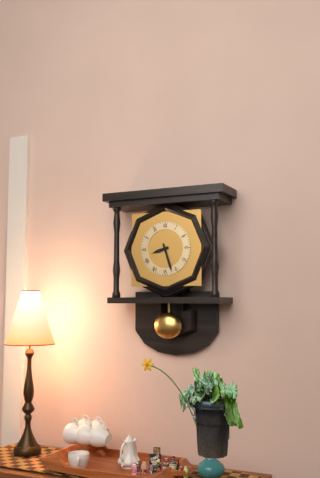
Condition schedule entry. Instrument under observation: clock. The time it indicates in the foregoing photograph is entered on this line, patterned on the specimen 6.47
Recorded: 8.27
